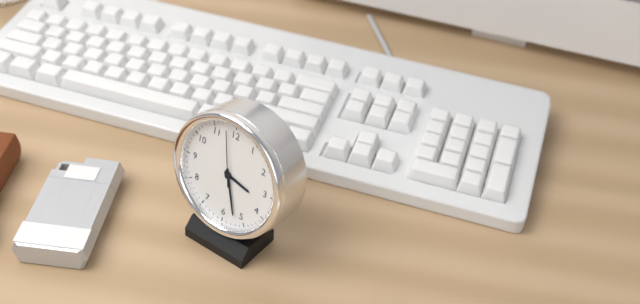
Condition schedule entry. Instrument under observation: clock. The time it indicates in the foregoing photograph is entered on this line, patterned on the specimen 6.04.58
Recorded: 3.27.58
